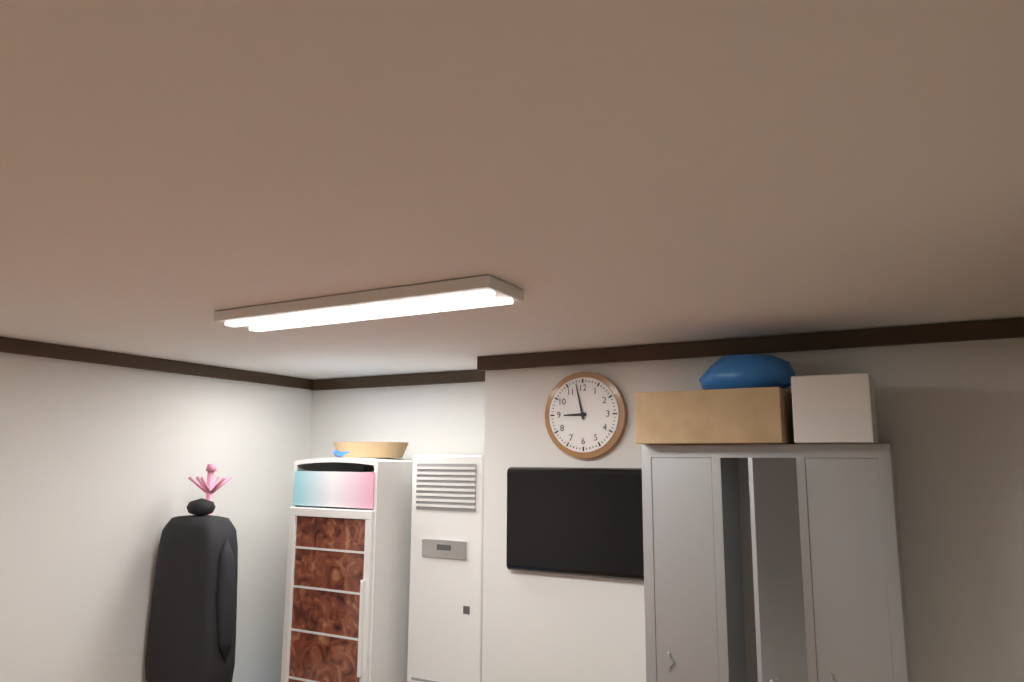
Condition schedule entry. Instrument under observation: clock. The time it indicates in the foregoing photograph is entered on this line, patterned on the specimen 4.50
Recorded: 8.58
